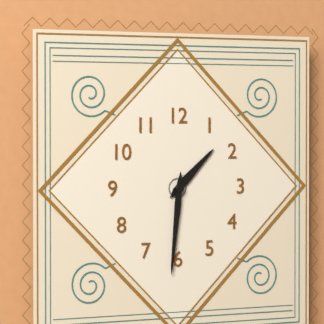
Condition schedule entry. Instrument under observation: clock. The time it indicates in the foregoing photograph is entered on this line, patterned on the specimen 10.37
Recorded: 1.31
